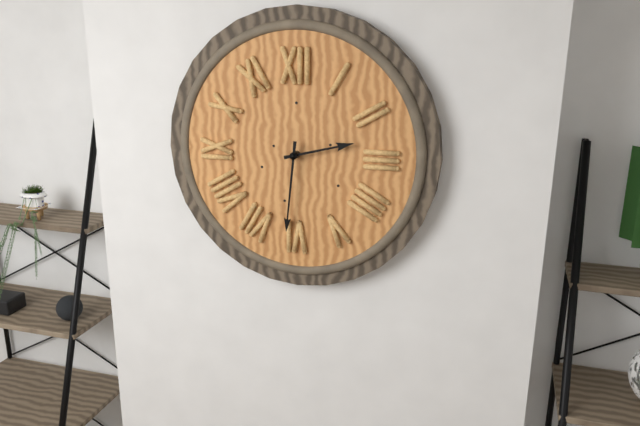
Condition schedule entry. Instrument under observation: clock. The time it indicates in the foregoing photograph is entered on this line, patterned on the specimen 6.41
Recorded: 2.31
